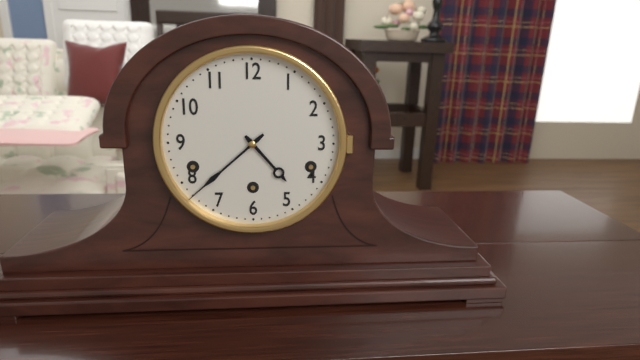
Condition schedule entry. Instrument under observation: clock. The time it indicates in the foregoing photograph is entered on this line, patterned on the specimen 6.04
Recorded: 4.38
